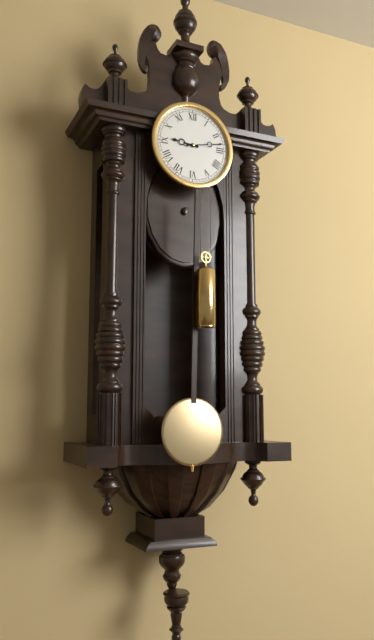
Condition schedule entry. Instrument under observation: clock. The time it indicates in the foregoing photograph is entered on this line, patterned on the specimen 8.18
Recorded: 9.13
